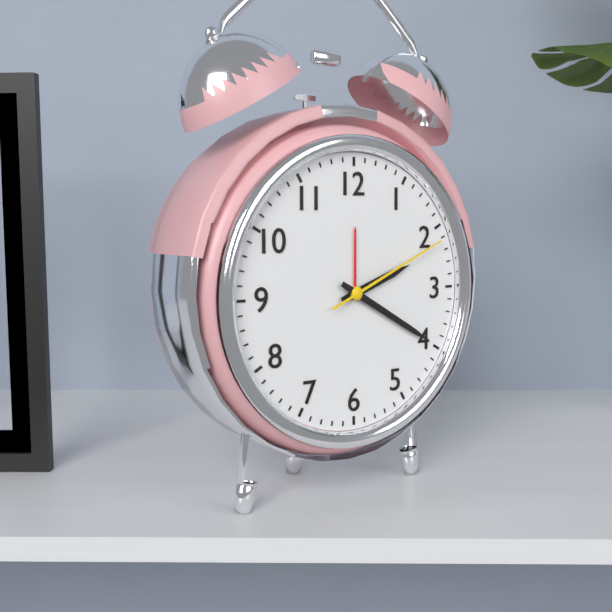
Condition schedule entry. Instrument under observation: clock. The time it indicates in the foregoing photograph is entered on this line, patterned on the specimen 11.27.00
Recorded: 2.20.11
